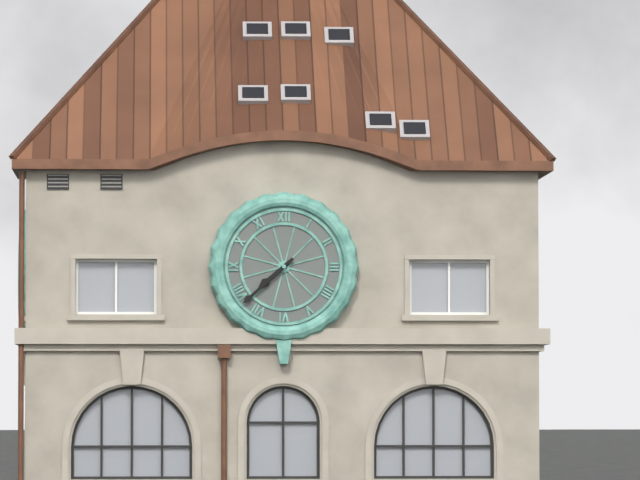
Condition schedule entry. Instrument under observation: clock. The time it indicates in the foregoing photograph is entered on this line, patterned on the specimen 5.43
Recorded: 7.38
